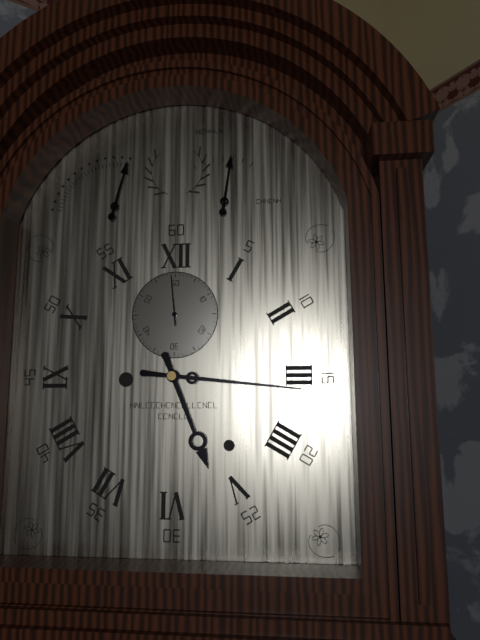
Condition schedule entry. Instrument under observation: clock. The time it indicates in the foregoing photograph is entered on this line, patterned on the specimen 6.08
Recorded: 5.16
